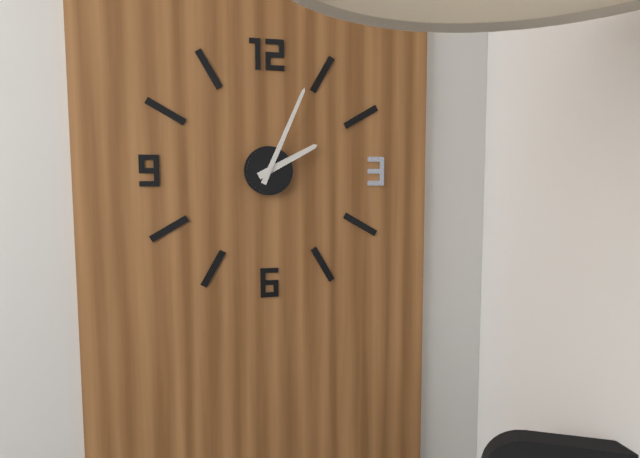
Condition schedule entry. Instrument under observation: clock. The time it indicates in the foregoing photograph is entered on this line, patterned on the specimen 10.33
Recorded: 2.04
